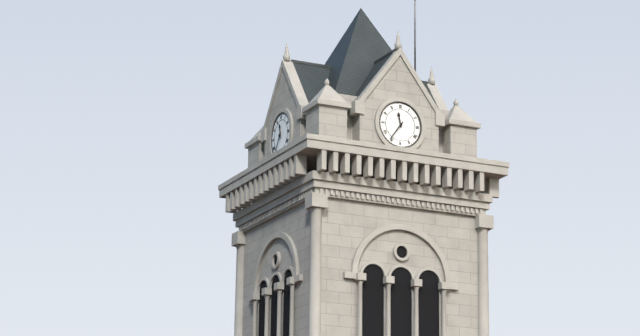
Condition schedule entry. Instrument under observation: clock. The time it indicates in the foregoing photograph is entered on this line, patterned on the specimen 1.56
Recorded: 11.36
